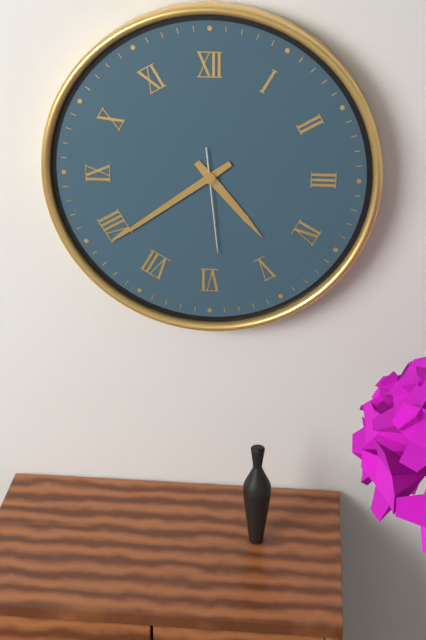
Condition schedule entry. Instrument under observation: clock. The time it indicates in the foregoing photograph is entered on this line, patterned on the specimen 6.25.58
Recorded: 4.39.29
